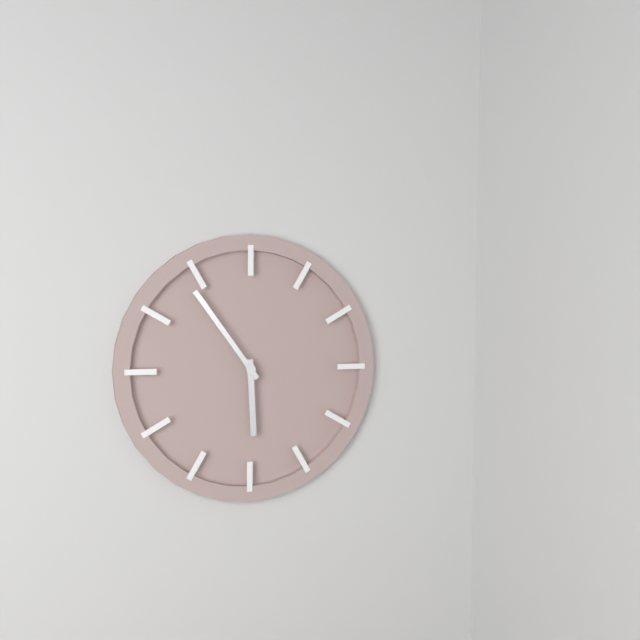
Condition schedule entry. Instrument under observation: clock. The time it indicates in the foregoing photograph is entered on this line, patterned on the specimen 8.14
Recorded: 5.54
